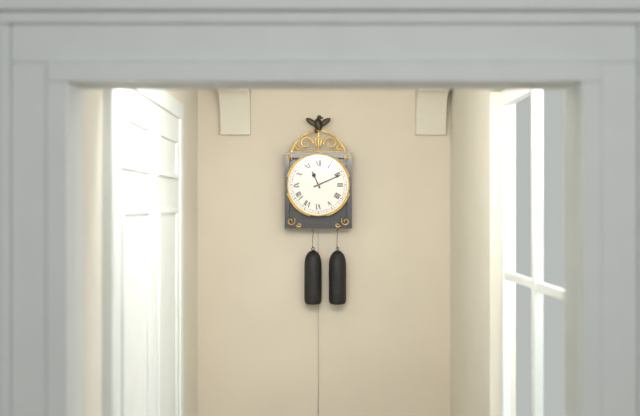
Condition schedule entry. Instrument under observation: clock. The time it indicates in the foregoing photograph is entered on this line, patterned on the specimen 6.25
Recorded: 11.11
